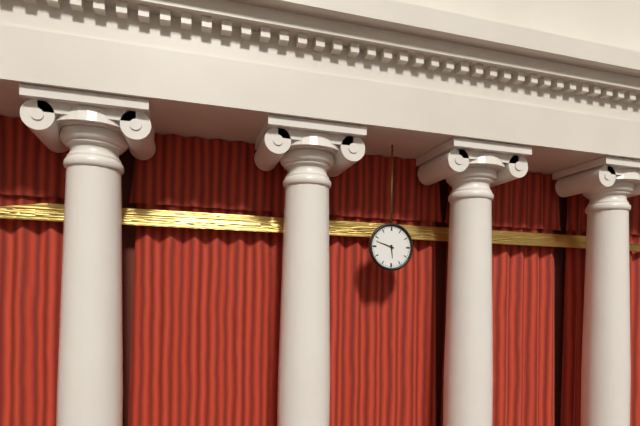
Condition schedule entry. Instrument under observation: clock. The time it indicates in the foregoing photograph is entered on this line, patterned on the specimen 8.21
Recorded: 5.48
